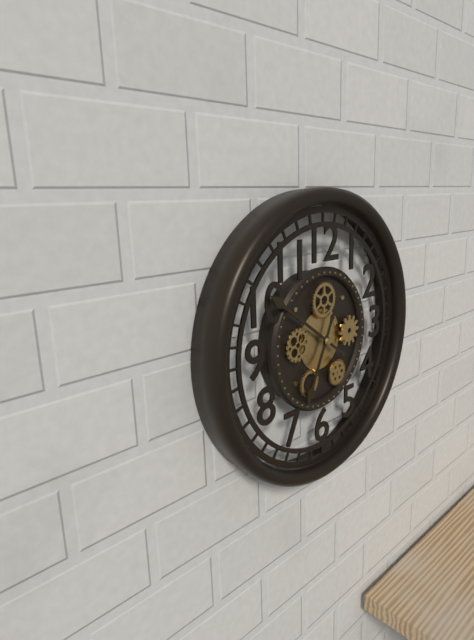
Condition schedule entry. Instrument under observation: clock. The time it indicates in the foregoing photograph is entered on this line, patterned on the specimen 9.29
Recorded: 6.51
